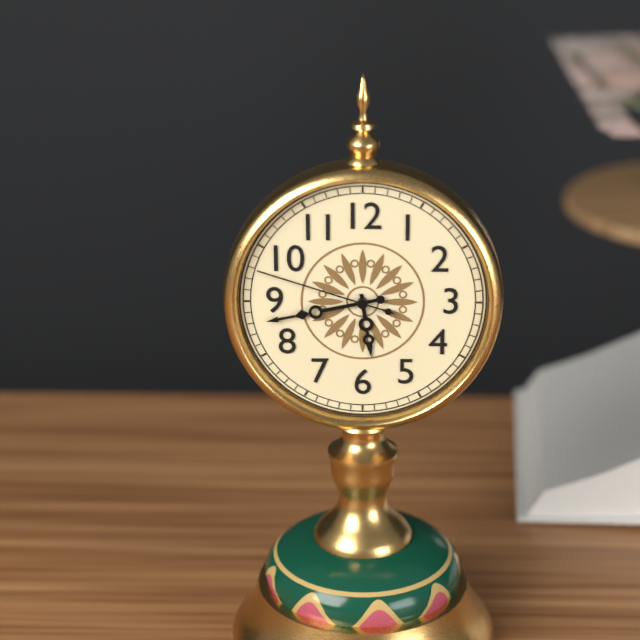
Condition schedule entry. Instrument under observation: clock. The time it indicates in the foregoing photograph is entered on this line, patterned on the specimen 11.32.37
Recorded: 5.43.48
